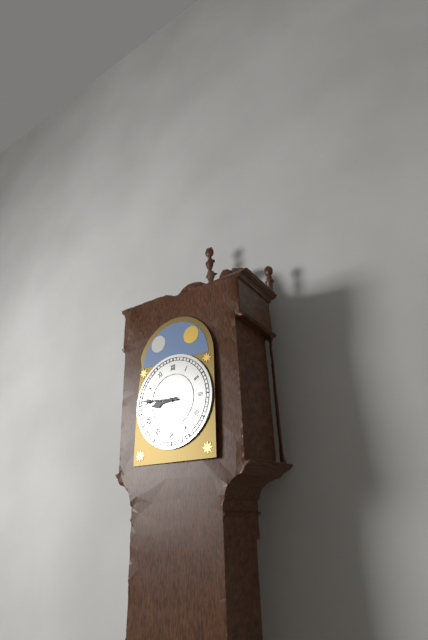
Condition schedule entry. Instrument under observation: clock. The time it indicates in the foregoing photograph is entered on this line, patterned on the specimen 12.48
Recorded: 8.46
